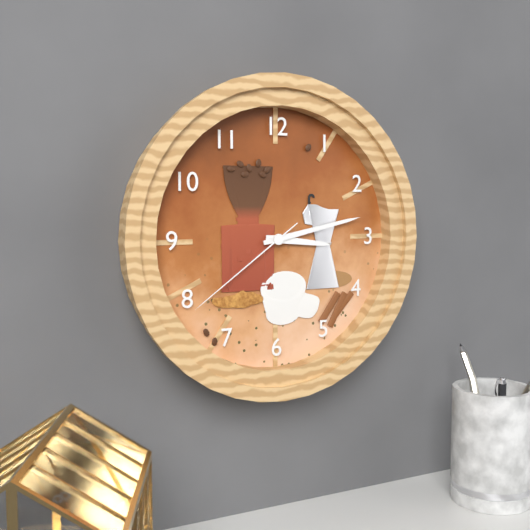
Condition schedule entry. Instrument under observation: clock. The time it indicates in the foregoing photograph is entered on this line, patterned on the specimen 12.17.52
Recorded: 3.13.39
